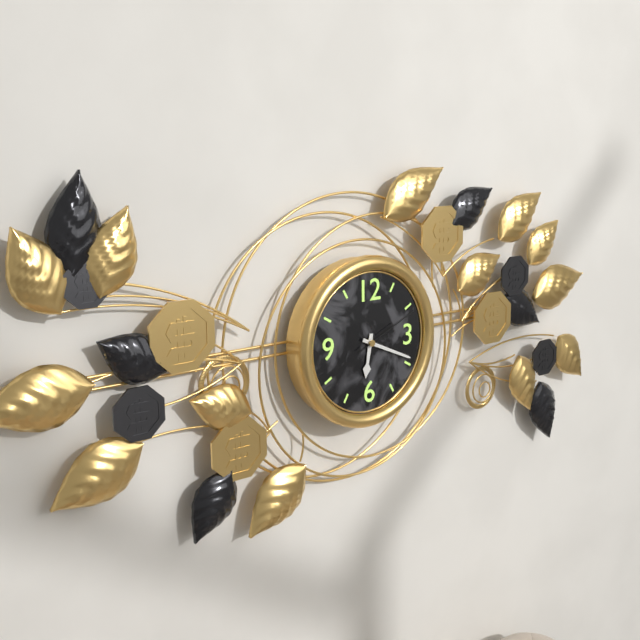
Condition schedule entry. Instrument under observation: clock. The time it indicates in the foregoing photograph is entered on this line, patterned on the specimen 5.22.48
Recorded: 6.19.11
